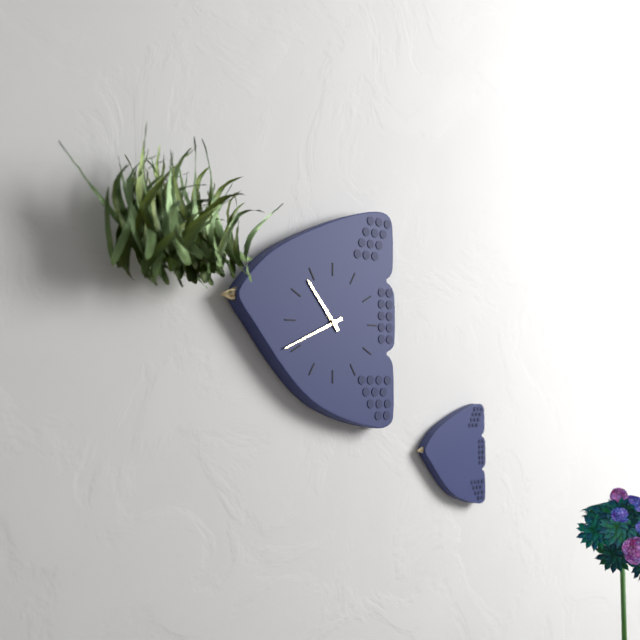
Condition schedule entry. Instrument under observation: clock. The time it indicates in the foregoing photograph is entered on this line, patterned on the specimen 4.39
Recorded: 10.41
